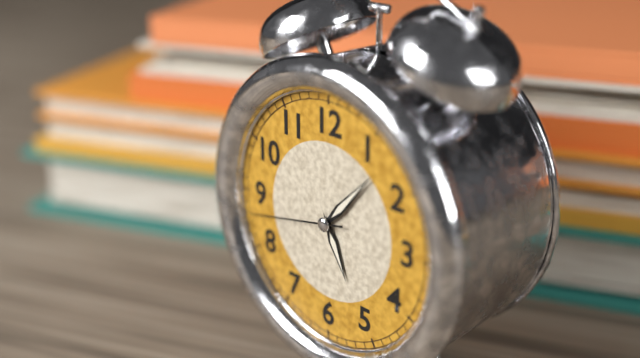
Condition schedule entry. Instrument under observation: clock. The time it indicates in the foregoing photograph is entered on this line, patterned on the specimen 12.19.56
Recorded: 5.07.43
